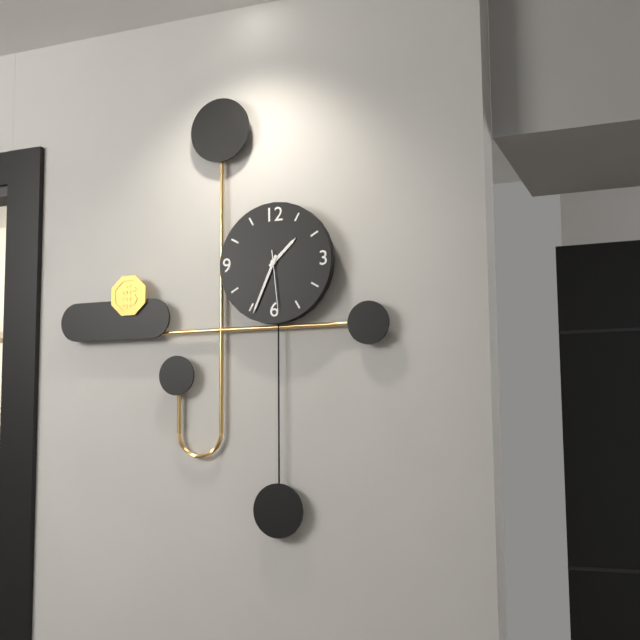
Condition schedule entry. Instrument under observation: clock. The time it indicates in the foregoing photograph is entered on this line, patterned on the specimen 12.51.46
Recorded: 1.34.29
